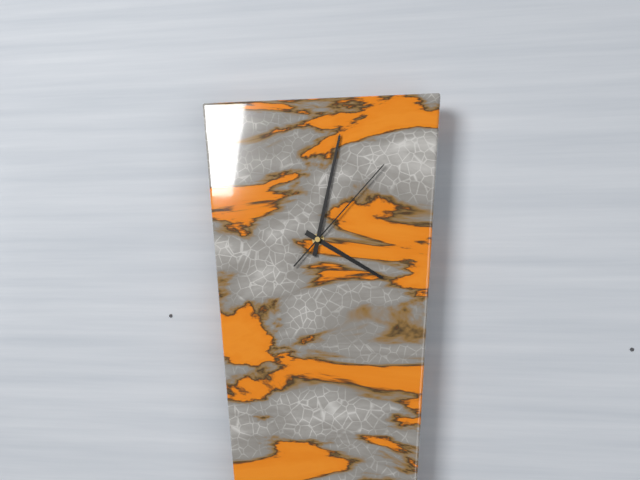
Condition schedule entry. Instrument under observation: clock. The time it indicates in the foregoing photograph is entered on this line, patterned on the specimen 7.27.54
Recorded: 4.02.07
